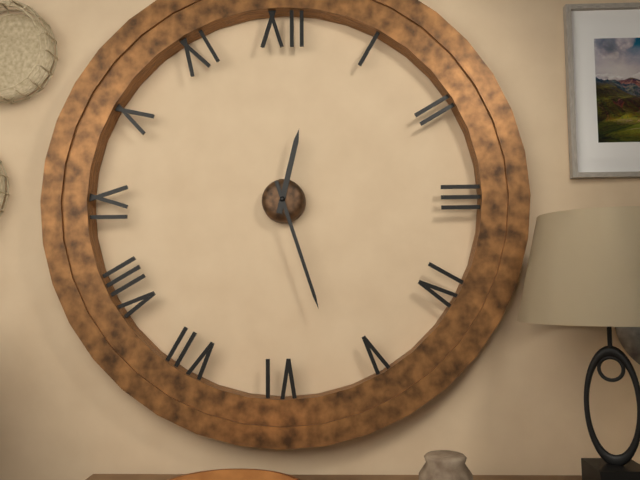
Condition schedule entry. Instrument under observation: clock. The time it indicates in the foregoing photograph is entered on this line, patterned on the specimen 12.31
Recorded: 12.27
